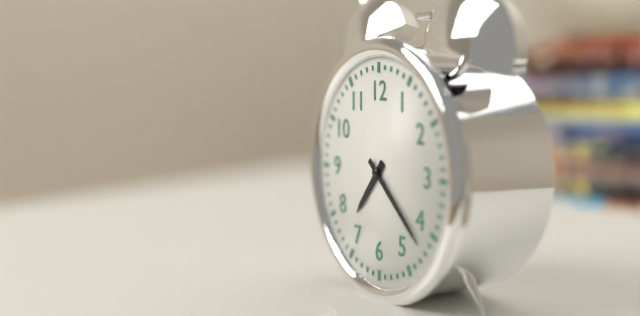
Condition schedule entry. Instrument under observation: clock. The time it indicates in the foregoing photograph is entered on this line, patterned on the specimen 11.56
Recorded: 7.22
